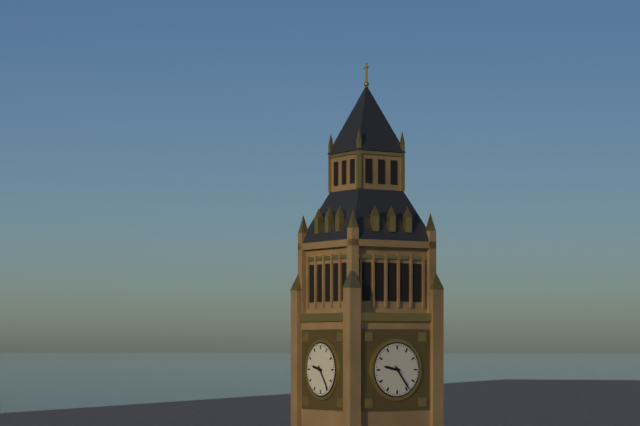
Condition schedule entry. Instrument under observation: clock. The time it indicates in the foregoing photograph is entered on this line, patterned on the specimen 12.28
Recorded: 9.24
